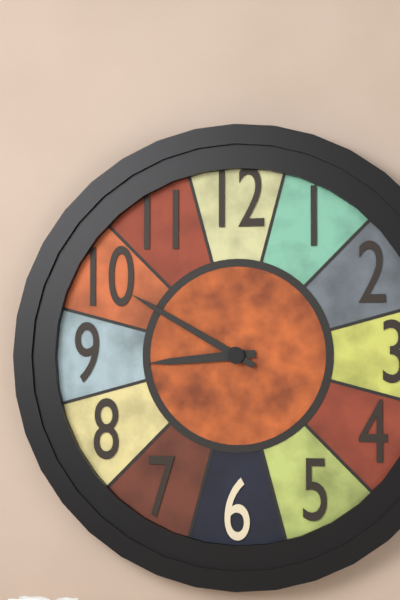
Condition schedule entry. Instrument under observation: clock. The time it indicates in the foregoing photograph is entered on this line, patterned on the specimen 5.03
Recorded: 8.50
